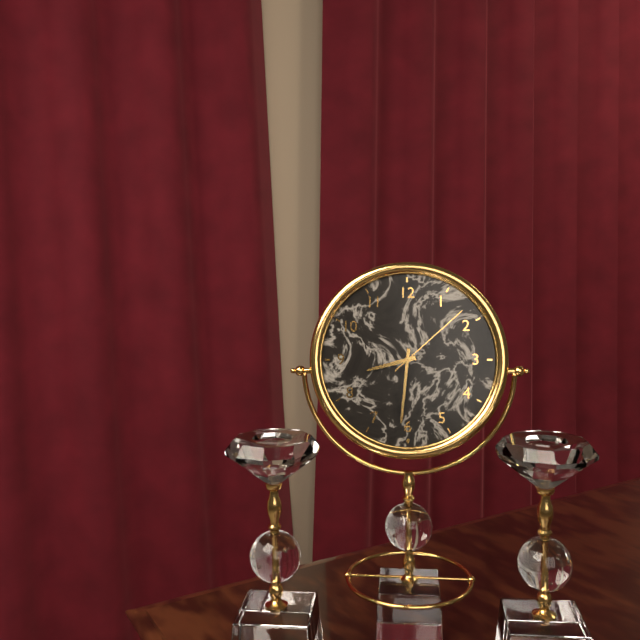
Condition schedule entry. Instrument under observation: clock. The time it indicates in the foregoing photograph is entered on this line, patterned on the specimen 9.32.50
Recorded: 8.31.08
